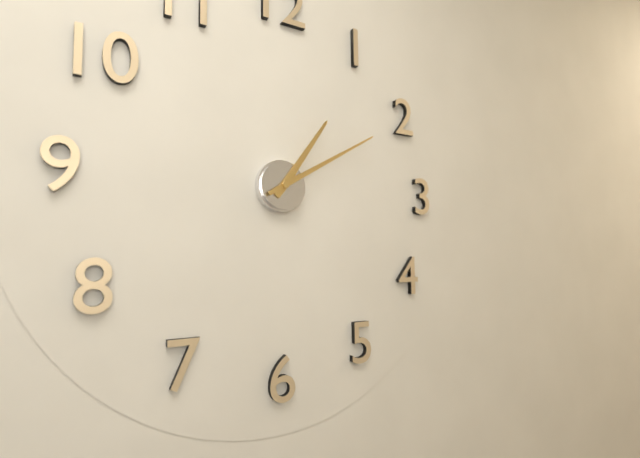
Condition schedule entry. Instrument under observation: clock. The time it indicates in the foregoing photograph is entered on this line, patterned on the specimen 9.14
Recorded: 1.10
